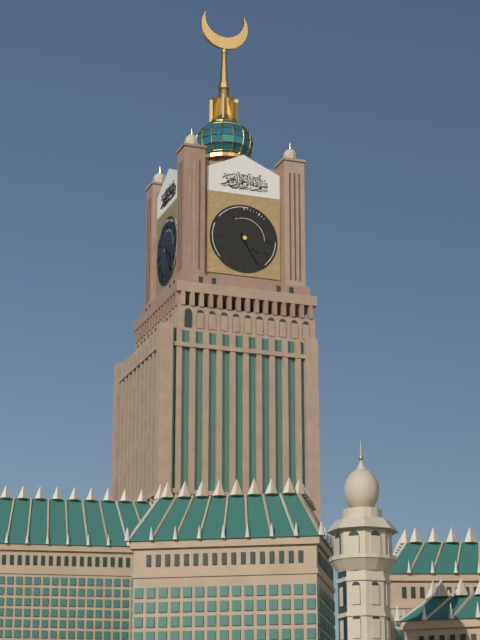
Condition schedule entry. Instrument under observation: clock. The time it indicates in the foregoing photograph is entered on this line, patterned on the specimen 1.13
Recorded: 4.25
